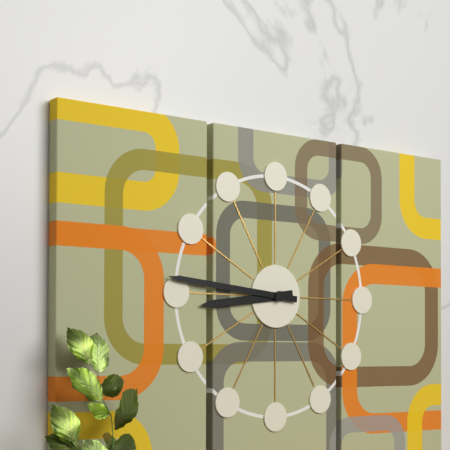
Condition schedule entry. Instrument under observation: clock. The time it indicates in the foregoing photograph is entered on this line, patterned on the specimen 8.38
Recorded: 8.46
